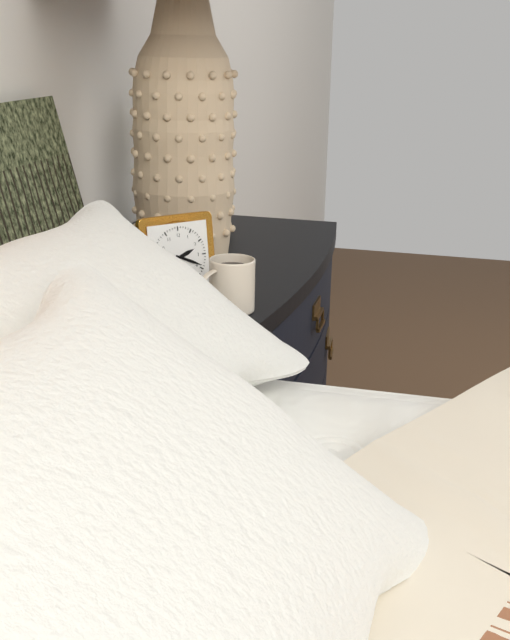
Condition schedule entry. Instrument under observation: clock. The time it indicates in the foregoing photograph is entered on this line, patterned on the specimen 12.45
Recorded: 2.19
